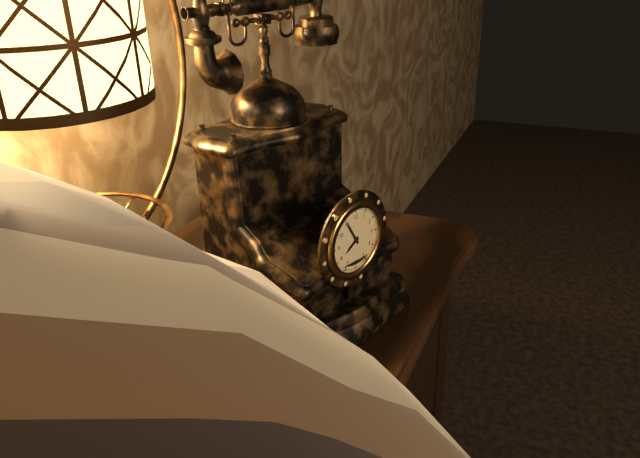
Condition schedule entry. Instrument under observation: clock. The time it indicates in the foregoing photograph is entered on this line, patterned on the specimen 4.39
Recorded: 7.55
